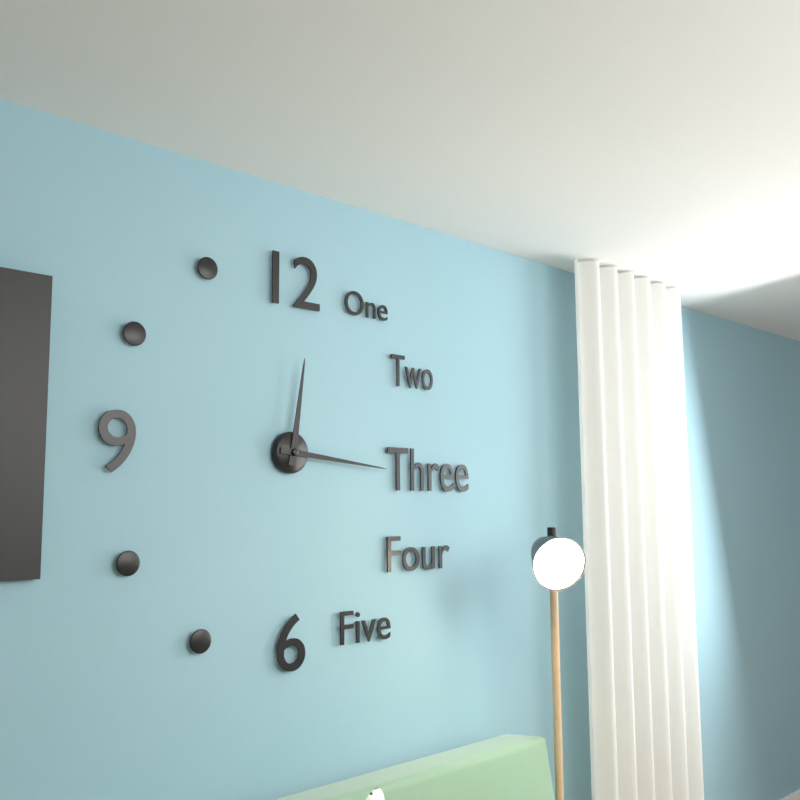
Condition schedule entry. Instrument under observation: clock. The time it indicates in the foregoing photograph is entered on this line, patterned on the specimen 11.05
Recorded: 12.16
